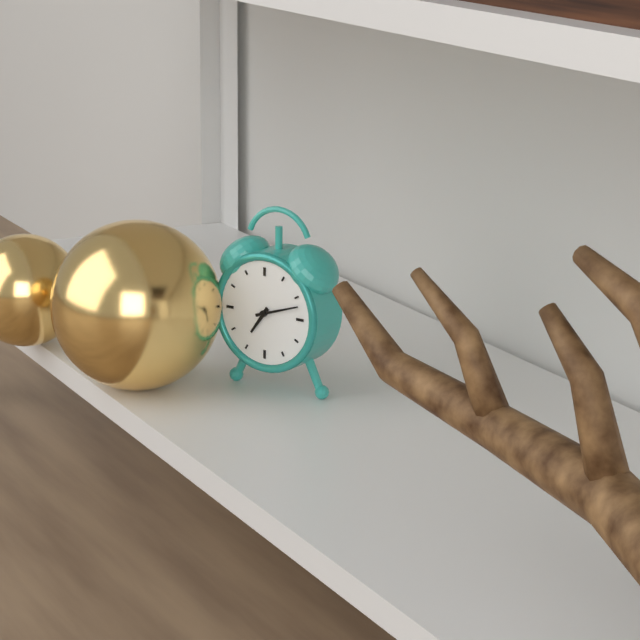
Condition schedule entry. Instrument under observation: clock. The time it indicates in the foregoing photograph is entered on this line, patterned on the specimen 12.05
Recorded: 7.12
